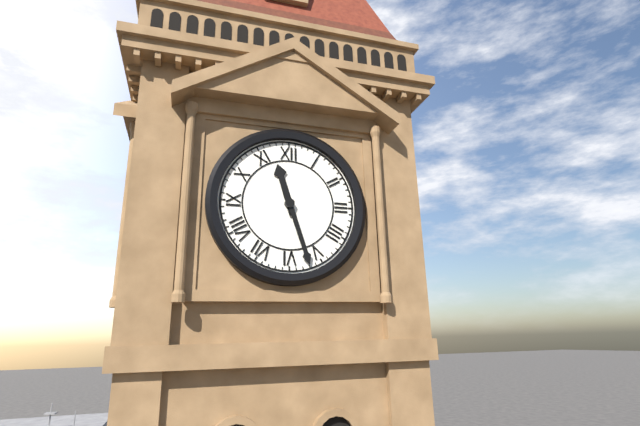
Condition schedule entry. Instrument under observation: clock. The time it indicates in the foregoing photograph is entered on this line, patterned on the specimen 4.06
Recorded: 11.27
